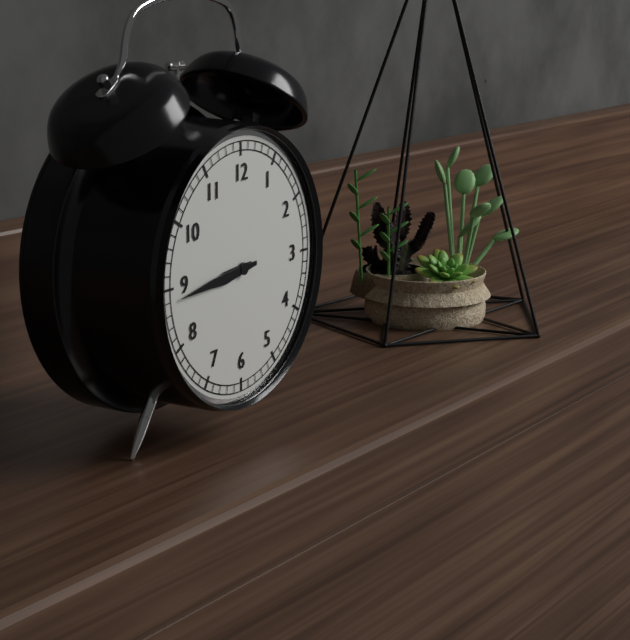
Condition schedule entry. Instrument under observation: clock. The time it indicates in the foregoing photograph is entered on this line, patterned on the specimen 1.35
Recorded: 8.44
